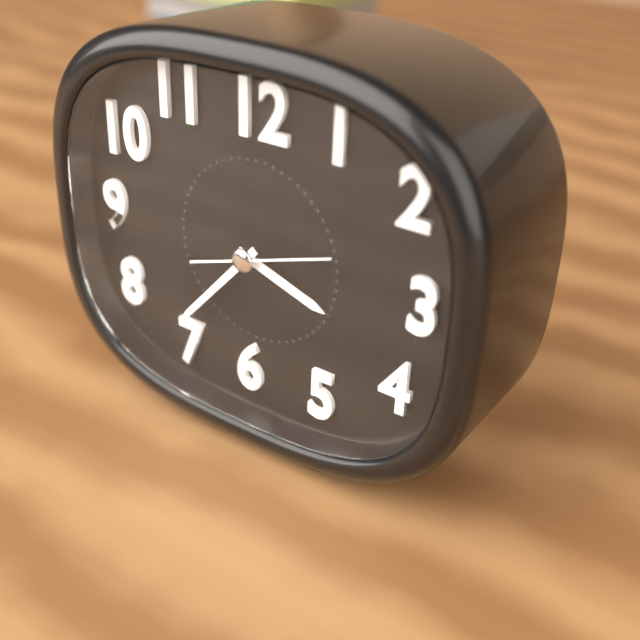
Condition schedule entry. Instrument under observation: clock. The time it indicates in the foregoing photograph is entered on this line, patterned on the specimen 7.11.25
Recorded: 3.37.12
